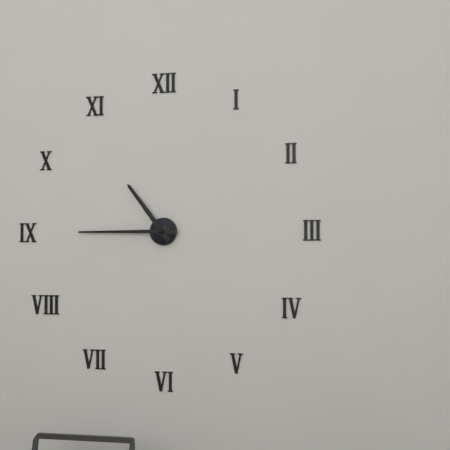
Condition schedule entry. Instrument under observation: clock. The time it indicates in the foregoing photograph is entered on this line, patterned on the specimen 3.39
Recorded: 10.45
